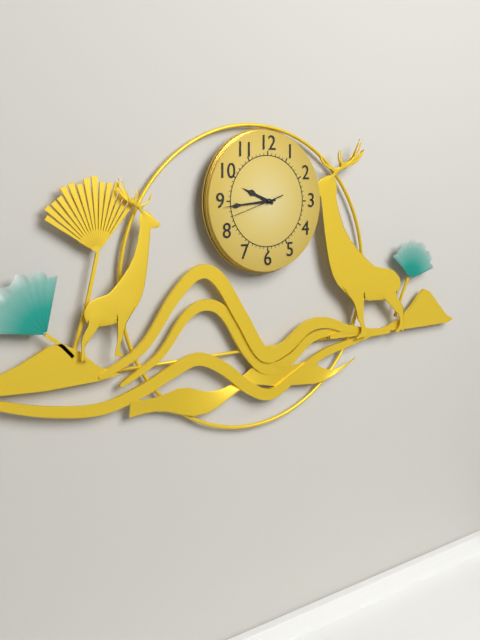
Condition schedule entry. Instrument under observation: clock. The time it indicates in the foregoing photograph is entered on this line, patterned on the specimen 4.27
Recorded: 9.44
